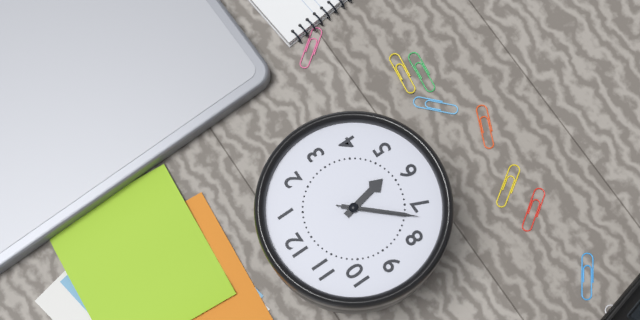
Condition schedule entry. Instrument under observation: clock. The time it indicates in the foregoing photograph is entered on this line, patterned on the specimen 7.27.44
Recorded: 5.37.37
